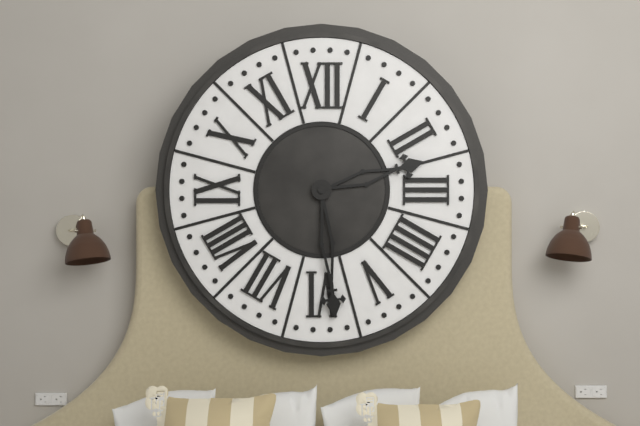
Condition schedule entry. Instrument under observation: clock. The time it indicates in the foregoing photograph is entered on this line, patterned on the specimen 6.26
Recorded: 2.29
